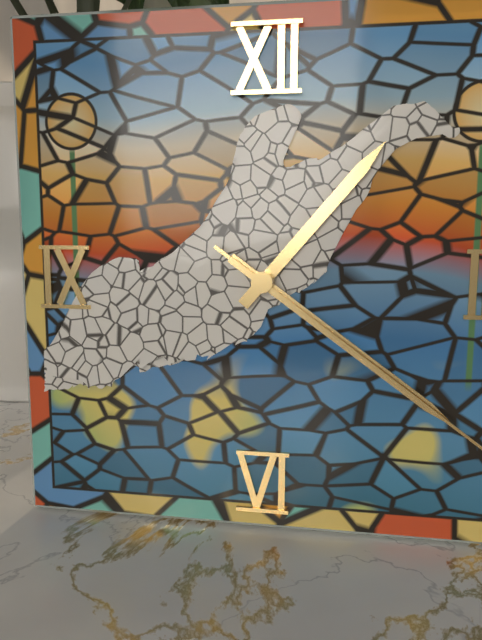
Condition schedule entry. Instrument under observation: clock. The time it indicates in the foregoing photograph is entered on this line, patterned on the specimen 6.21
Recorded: 1.21
